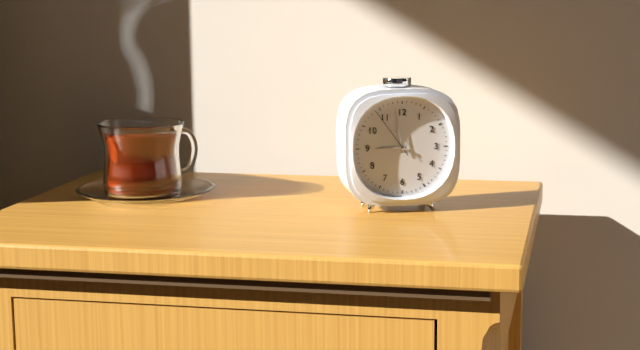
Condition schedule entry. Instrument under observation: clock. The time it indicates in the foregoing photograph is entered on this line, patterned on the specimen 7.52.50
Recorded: 8.58.54
